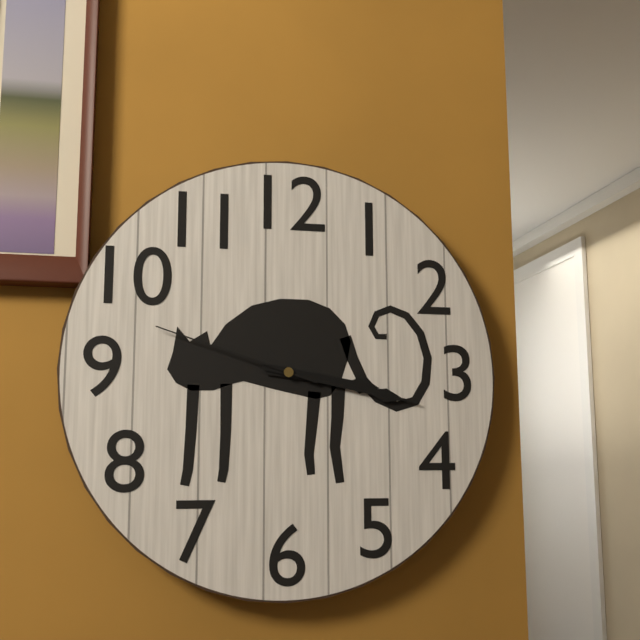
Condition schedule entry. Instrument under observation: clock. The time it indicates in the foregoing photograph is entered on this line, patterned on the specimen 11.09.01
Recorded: 3.17.48
